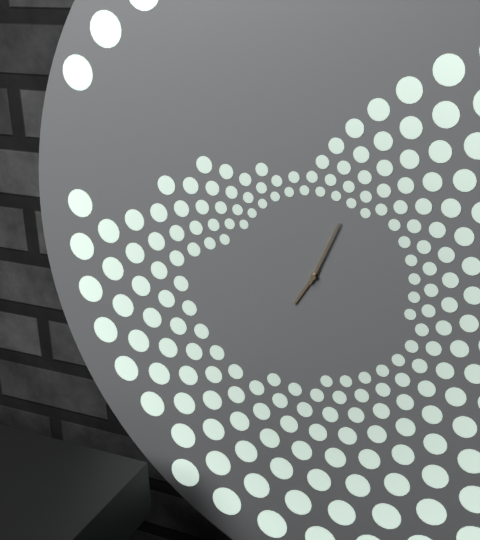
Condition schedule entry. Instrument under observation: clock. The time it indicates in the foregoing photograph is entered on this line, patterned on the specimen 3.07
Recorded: 7.04
